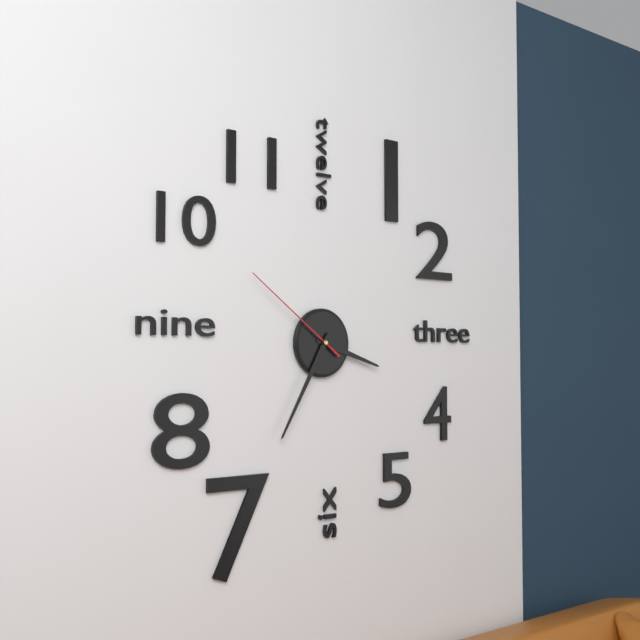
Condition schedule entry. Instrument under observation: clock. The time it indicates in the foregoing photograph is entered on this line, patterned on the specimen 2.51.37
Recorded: 3.35.51
